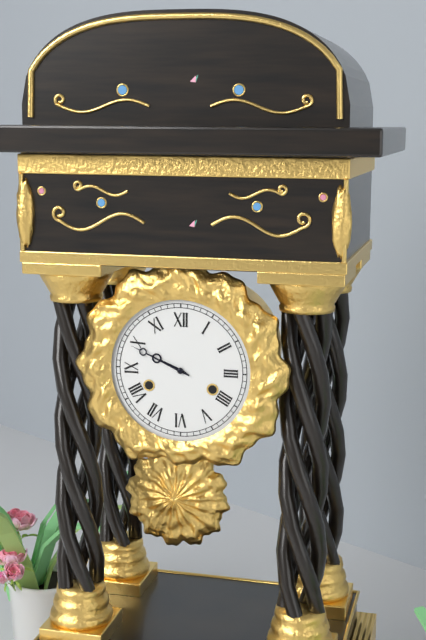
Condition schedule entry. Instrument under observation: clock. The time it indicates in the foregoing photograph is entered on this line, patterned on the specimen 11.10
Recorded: 9.49
